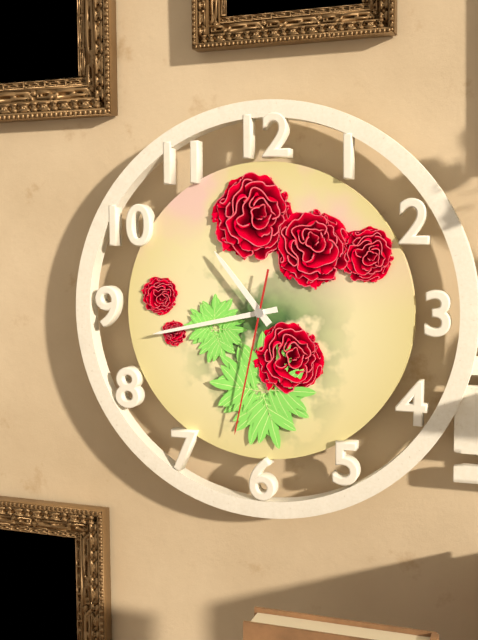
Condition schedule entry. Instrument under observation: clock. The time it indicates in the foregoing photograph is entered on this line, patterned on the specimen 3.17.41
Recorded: 10.43.32
